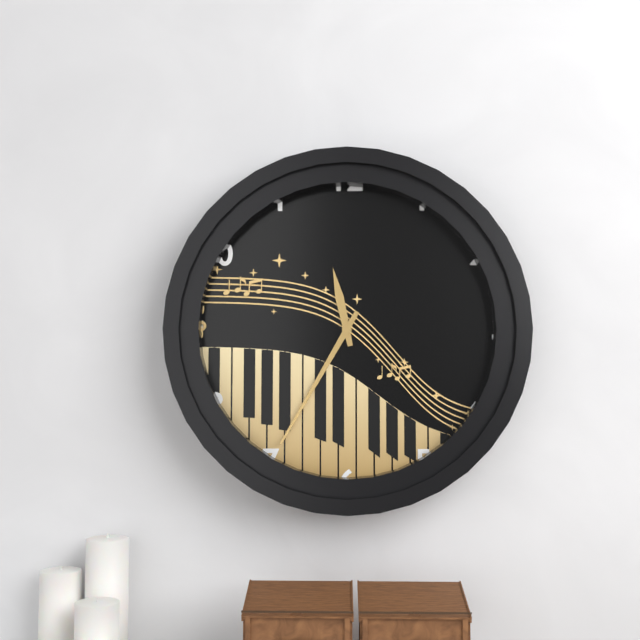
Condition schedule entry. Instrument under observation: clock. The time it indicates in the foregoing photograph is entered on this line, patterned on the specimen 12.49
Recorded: 11.35
